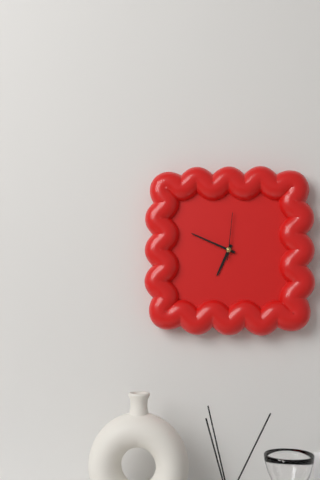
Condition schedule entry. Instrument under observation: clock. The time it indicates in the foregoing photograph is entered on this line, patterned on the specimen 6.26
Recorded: 6.49
